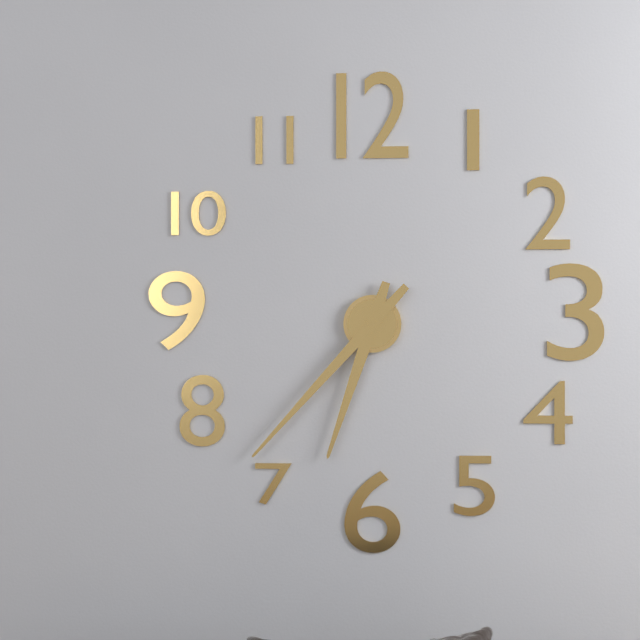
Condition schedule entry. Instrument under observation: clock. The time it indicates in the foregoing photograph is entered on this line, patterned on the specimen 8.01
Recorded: 6.37
